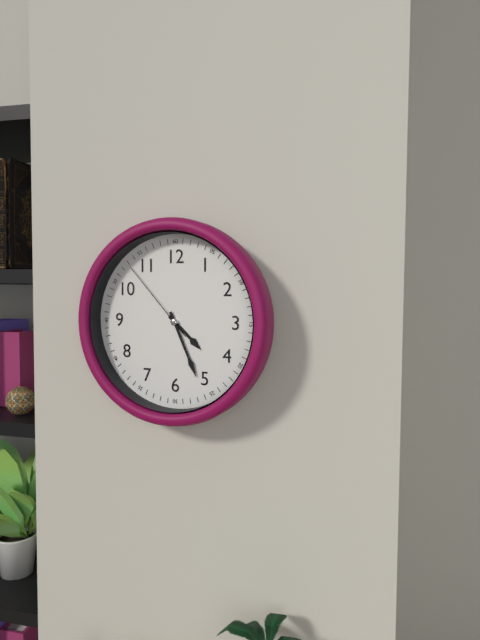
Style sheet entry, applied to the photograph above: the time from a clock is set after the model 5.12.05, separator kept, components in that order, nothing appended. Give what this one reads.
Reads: 4.26.53
